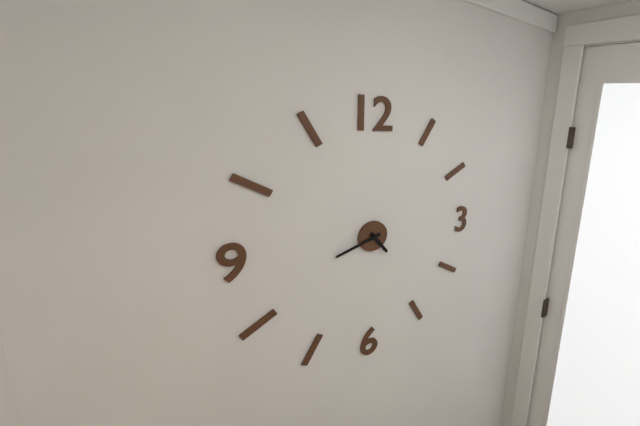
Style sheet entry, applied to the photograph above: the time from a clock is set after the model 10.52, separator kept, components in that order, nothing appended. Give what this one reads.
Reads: 4.42
